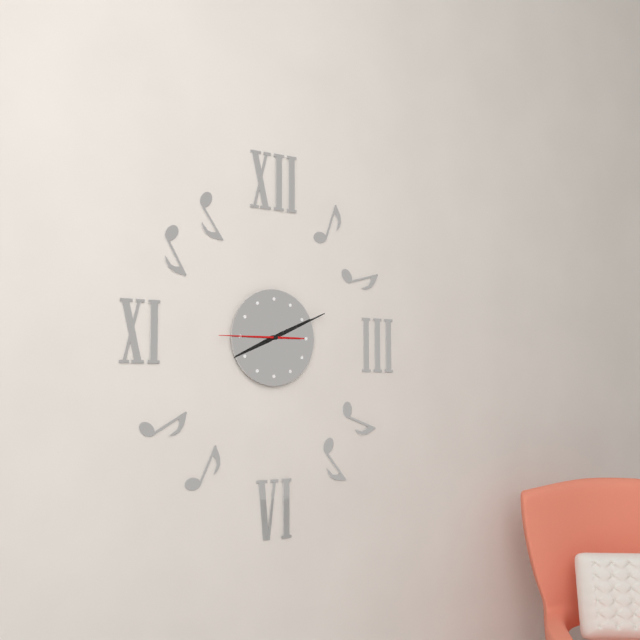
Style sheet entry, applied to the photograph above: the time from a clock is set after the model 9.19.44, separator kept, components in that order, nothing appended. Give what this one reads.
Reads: 8.11.45
